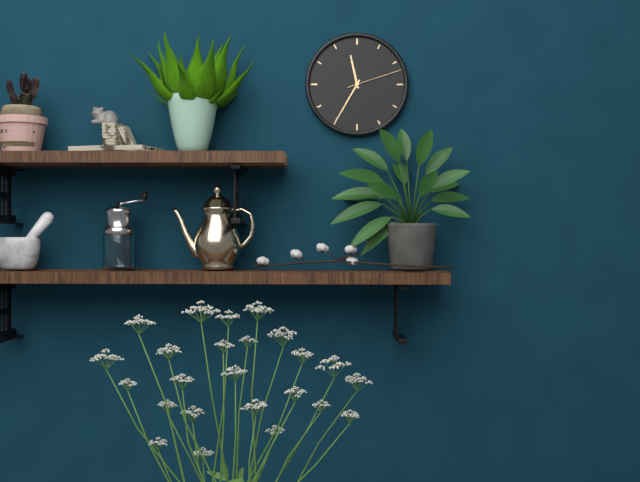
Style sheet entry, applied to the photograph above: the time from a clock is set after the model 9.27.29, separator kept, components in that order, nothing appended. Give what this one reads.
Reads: 11.35.12
